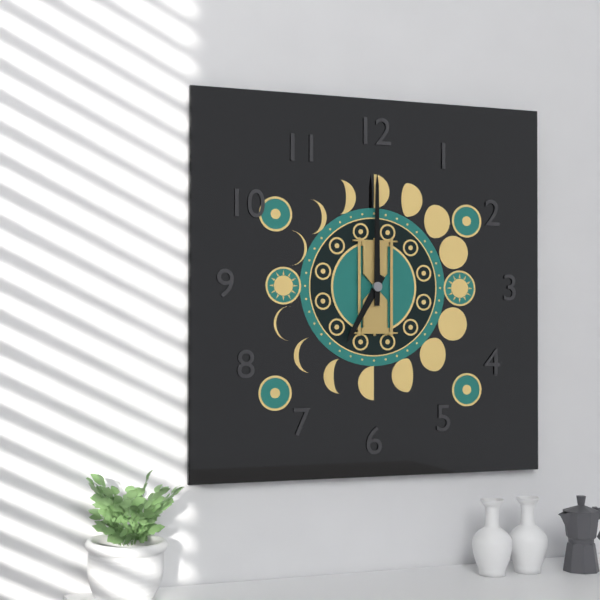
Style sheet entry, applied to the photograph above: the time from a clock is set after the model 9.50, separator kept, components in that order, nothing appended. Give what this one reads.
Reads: 7.00
